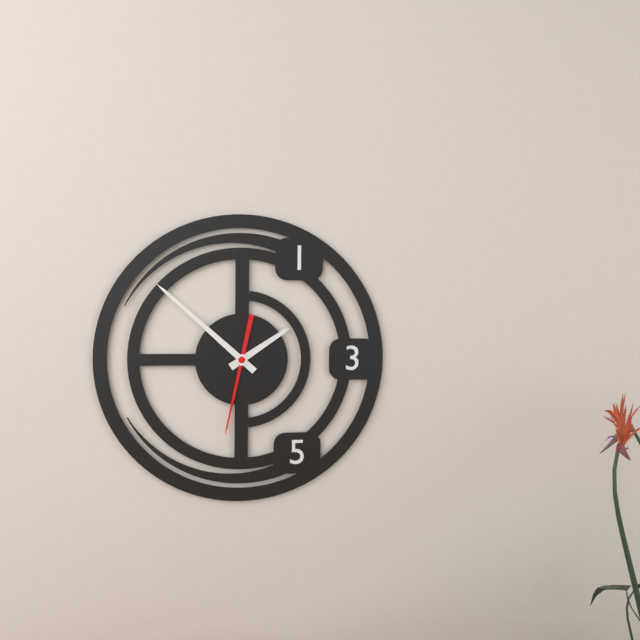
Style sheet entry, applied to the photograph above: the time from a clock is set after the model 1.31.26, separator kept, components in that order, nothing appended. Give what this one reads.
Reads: 1.52.32
